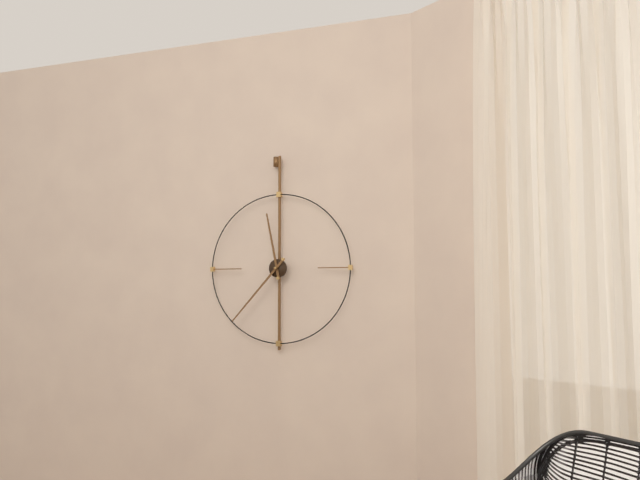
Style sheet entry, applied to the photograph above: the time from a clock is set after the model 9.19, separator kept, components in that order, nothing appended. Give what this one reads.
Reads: 11.37
